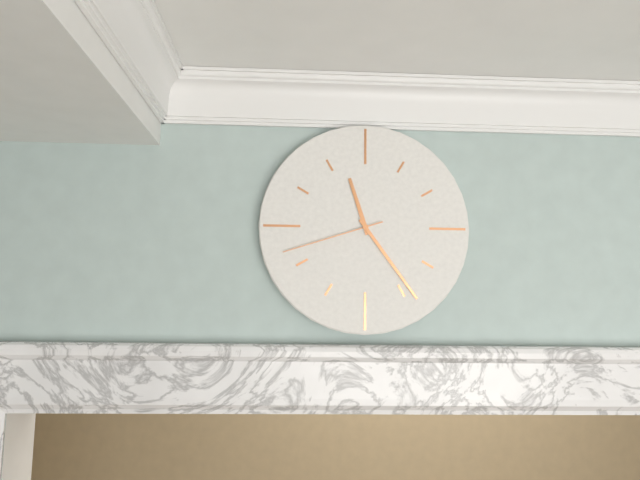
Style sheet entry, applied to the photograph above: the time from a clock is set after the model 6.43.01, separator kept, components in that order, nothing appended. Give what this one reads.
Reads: 11.24.42
